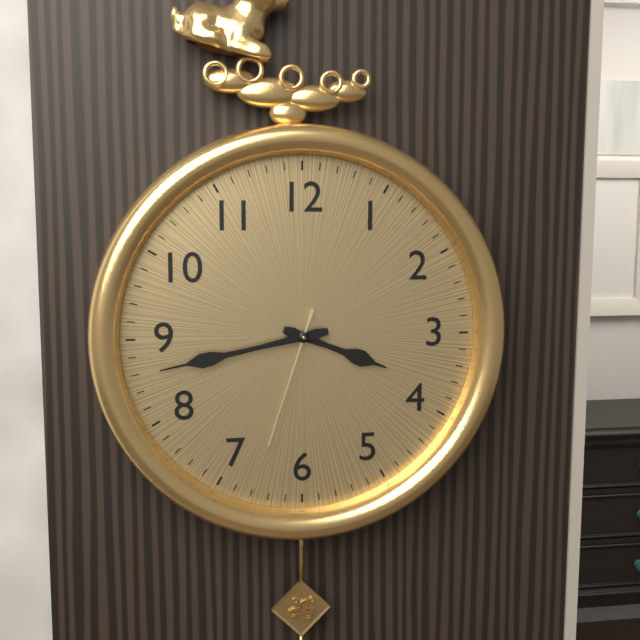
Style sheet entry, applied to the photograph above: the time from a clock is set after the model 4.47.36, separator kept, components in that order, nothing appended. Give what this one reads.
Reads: 3.43.33
